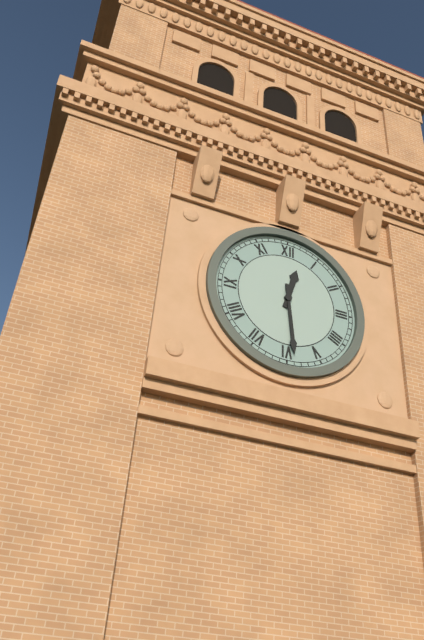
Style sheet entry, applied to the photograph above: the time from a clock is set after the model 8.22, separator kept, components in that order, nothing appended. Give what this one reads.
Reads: 12.29
